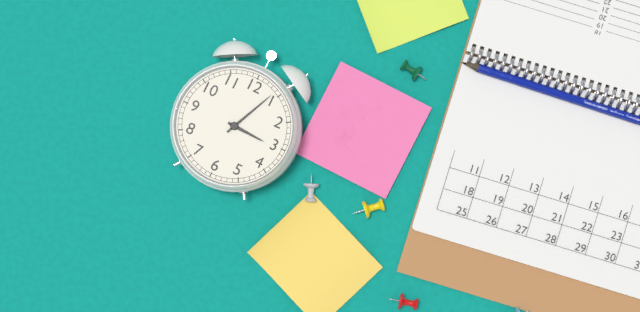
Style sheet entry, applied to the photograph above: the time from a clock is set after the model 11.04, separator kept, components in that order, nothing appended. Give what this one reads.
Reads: 3.04
